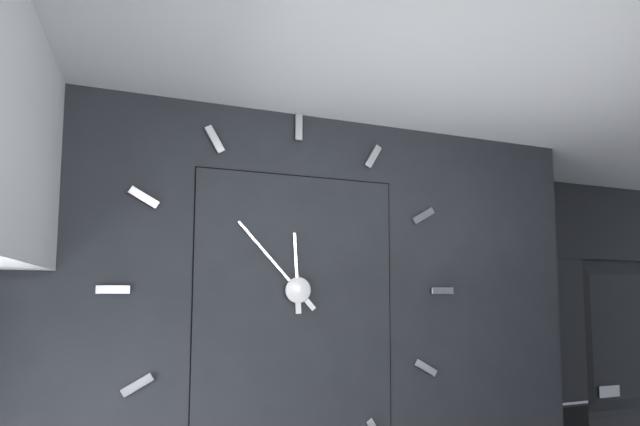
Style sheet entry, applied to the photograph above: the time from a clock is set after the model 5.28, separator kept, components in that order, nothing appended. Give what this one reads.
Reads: 11.53
